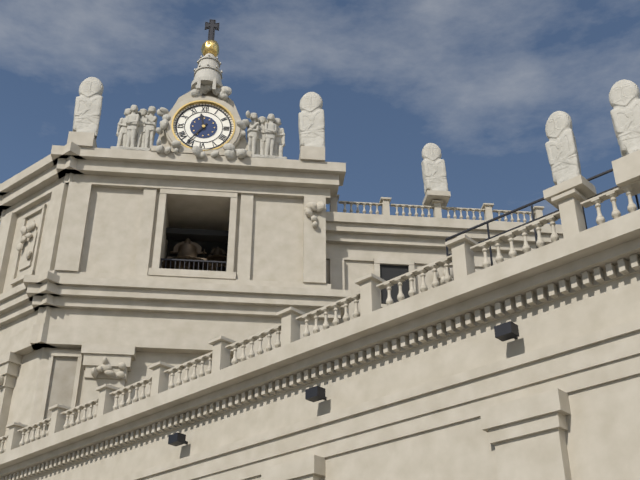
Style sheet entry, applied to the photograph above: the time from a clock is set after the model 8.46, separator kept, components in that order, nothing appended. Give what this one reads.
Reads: 11.36
